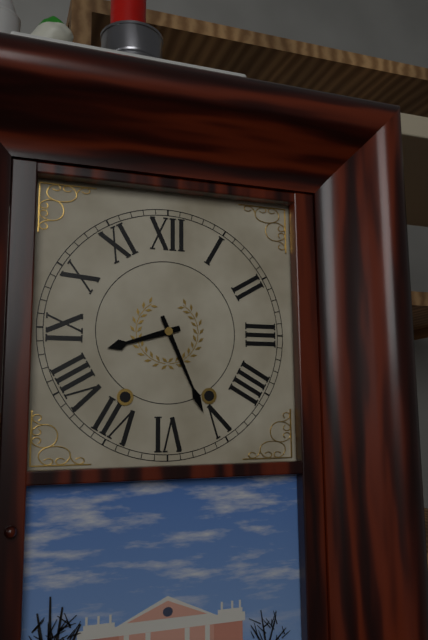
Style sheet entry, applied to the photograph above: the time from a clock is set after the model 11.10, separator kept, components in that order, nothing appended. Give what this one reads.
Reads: 8.26
